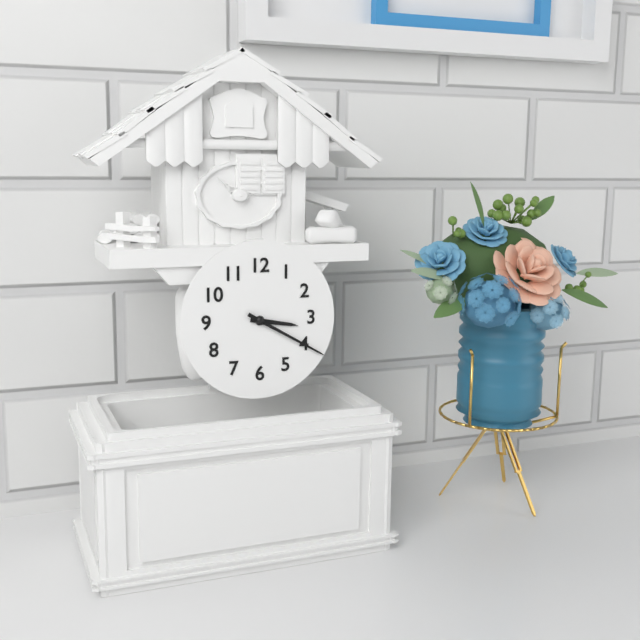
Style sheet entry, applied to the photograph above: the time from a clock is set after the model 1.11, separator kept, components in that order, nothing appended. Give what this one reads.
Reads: 3.20
